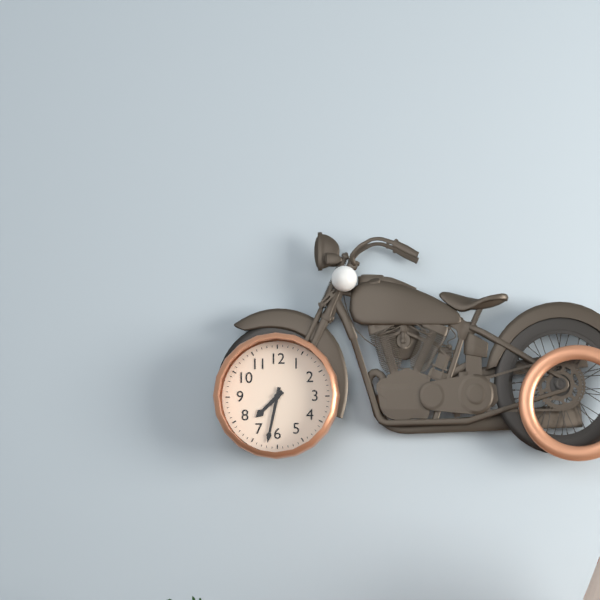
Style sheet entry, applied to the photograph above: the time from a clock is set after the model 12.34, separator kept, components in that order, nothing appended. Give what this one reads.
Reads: 7.32
